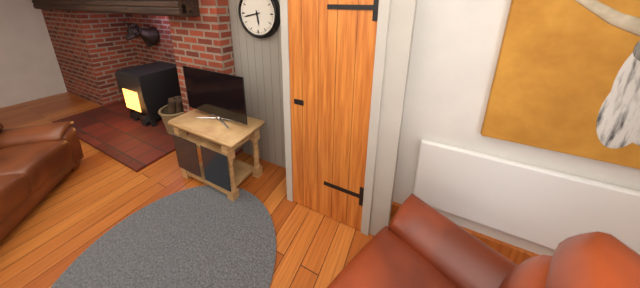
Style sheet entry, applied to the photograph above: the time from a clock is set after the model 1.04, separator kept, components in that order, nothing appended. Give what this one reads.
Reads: 5.43
